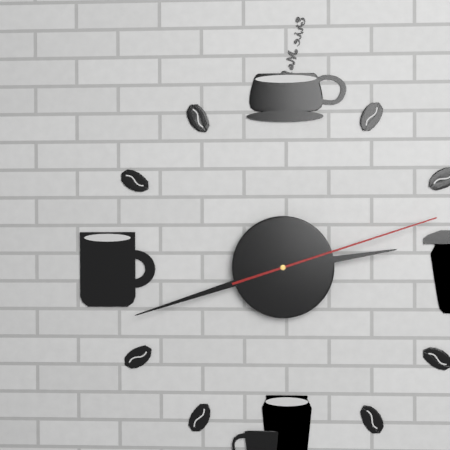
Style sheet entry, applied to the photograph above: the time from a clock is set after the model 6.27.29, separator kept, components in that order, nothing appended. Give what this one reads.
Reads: 2.42.12
